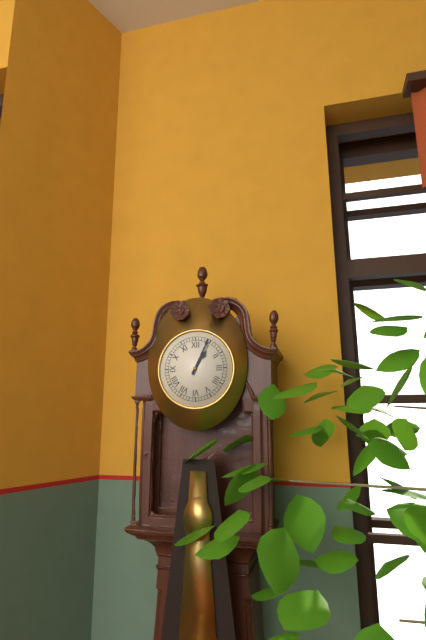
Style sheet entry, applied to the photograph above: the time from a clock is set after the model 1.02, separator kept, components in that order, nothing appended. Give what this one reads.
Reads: 1.04
